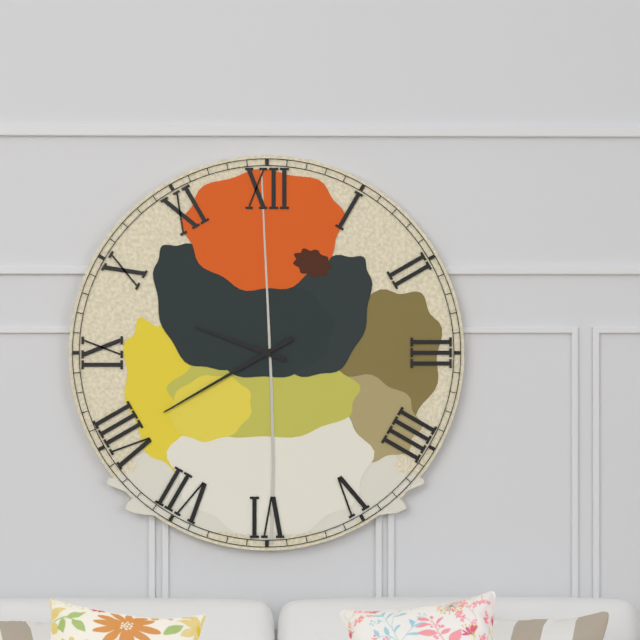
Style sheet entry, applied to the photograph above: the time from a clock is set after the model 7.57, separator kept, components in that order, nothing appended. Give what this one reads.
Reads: 9.40
